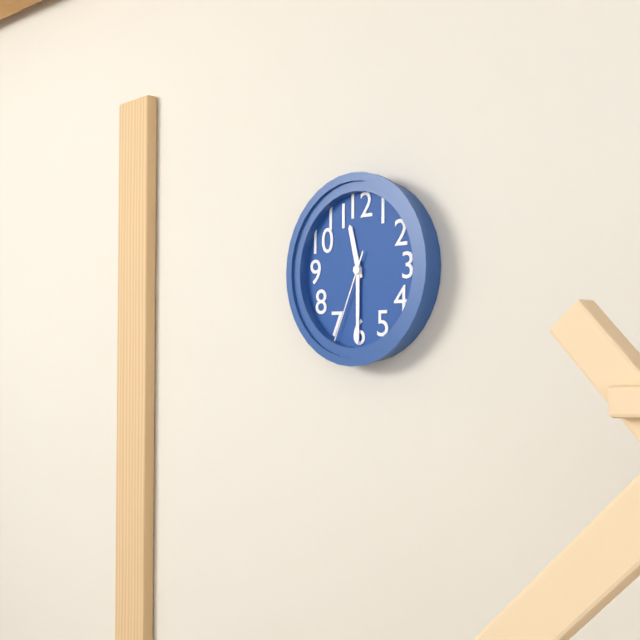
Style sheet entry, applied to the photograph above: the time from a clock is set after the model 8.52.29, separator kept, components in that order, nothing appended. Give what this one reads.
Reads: 11.30.34
